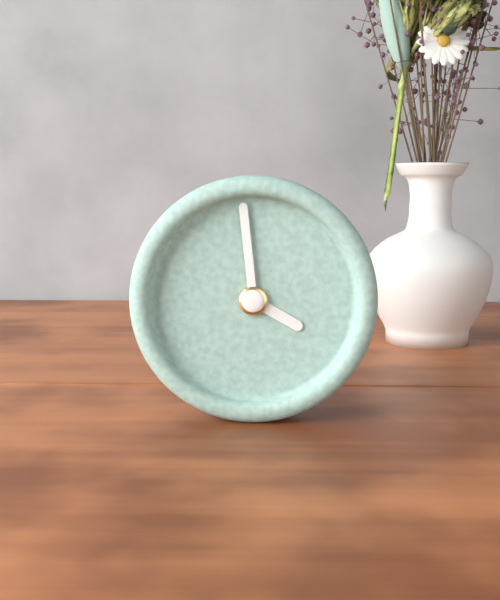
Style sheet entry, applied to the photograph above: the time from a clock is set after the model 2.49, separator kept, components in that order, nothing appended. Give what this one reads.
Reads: 3.59
